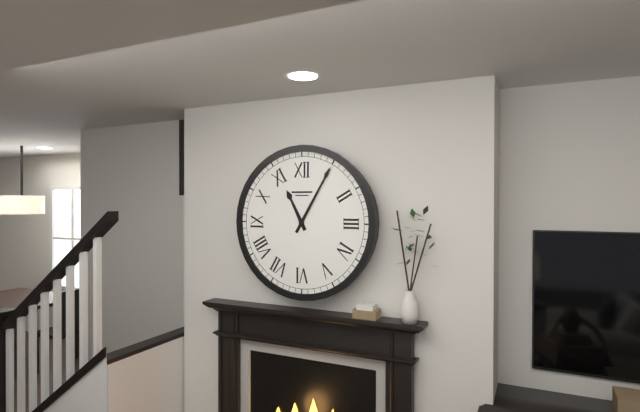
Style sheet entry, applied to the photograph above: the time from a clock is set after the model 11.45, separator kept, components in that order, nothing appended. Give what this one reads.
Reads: 11.05
